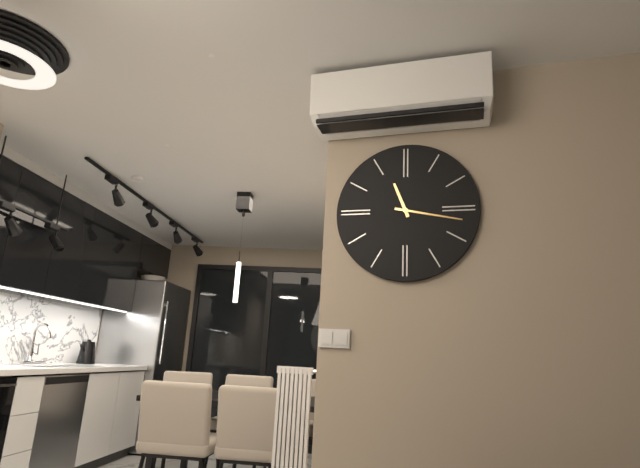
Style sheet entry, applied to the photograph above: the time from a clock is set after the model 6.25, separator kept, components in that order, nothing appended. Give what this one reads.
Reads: 11.17
